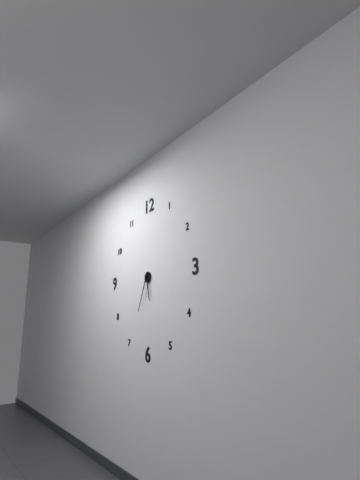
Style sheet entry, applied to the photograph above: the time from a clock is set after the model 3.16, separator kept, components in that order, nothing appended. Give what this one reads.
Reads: 5.34
